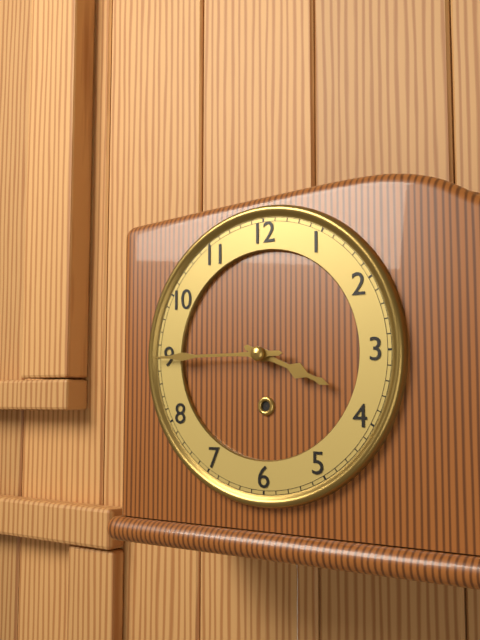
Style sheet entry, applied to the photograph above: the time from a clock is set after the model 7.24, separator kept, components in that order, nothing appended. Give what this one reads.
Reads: 3.45
